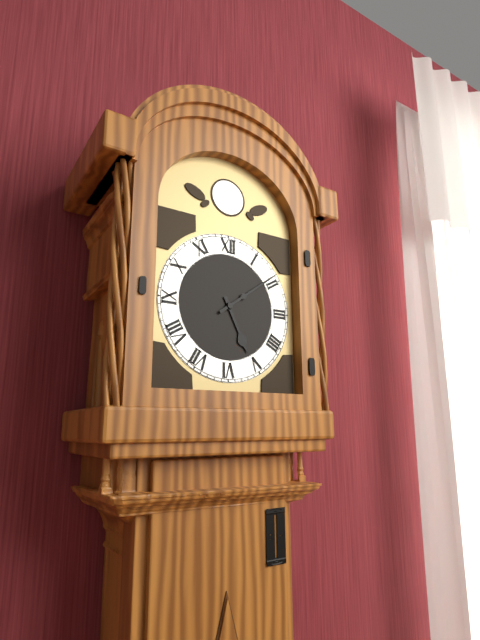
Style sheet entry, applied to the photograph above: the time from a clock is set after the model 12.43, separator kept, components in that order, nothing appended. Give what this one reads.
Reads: 5.09
